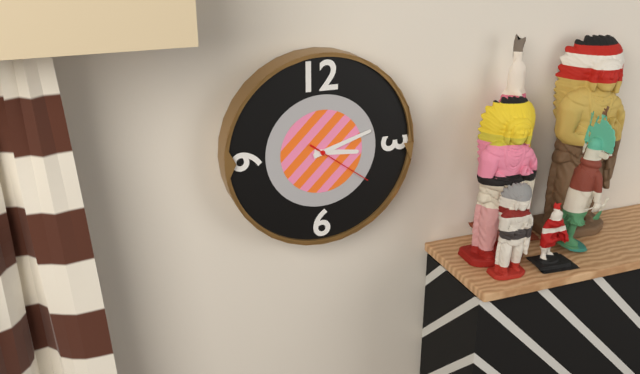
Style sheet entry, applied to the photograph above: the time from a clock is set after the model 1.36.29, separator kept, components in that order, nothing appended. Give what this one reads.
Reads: 3.12.21
